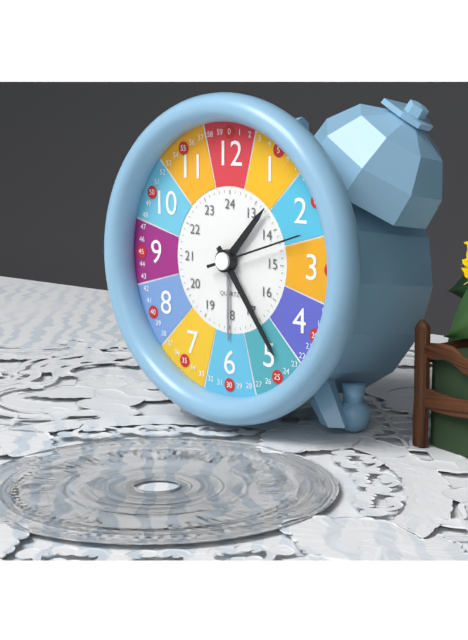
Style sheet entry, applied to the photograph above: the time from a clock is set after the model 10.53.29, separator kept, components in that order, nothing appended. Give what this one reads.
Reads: 1.24.12
